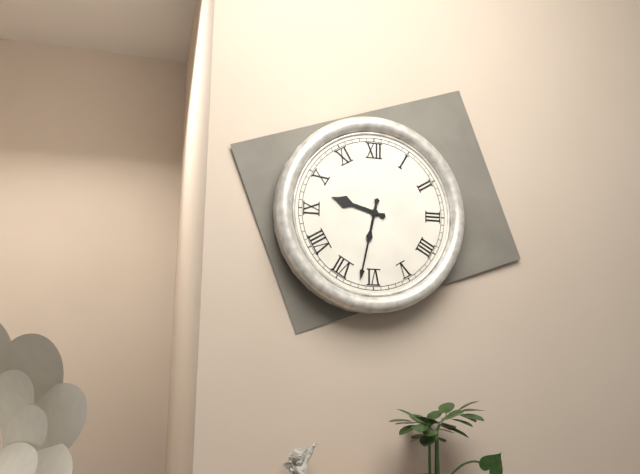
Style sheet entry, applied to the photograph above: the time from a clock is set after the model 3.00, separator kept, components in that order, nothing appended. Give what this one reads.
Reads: 9.32
